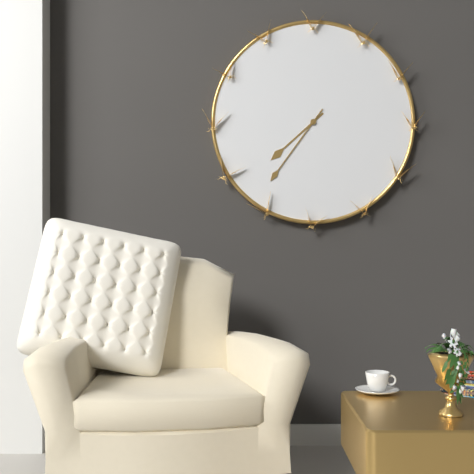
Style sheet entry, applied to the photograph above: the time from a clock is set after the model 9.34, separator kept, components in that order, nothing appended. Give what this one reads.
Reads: 7.36
